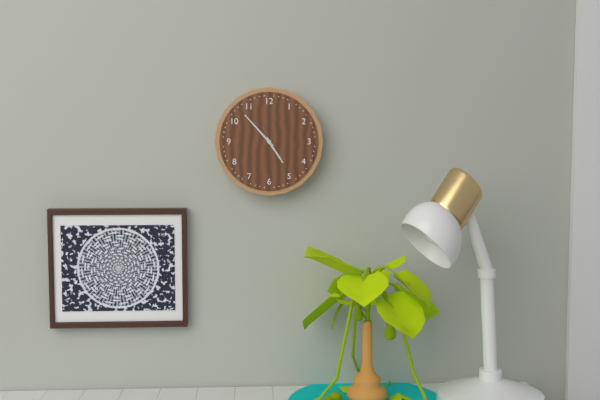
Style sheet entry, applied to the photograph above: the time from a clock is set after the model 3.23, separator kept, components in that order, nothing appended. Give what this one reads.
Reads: 4.53
